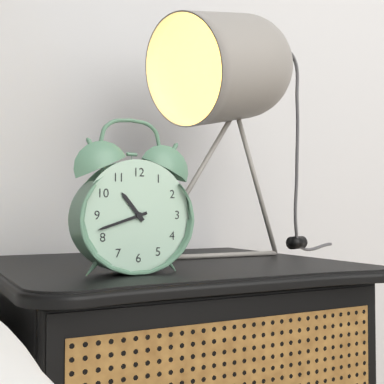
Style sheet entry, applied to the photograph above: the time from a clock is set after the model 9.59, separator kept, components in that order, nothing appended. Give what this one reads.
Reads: 10.42
